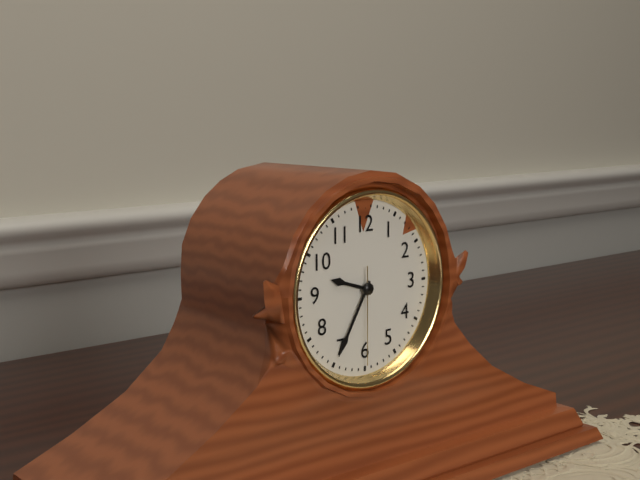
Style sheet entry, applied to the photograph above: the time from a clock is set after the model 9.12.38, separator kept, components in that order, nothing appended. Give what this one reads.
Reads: 9.35.30
